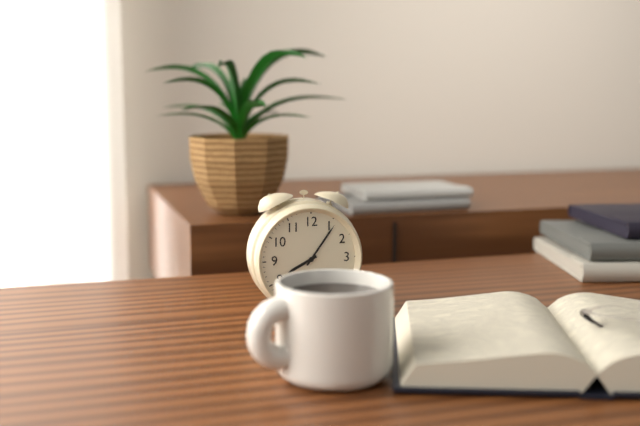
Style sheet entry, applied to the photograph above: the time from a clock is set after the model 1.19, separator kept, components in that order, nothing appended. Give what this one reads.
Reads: 8.06
